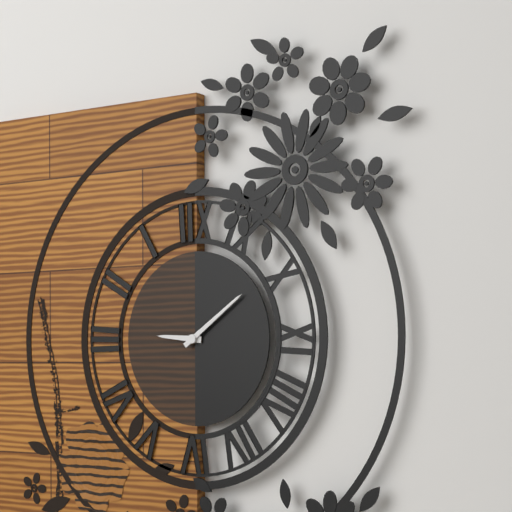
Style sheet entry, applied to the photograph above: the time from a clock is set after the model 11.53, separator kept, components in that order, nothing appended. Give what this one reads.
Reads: 9.09
